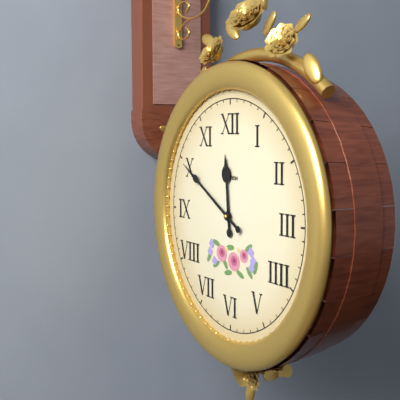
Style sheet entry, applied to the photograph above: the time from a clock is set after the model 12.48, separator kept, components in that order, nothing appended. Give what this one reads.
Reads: 11.50
